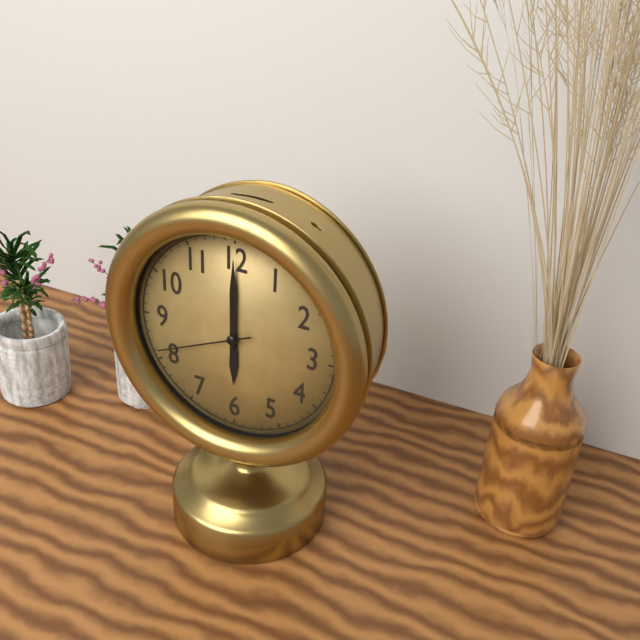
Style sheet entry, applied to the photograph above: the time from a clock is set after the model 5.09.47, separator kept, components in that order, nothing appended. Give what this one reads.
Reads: 6.00.41
